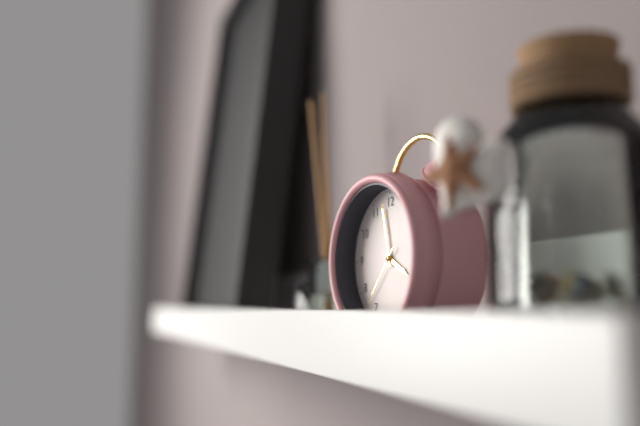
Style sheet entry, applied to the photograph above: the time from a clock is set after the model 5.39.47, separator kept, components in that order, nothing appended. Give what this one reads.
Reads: 3.58.37
